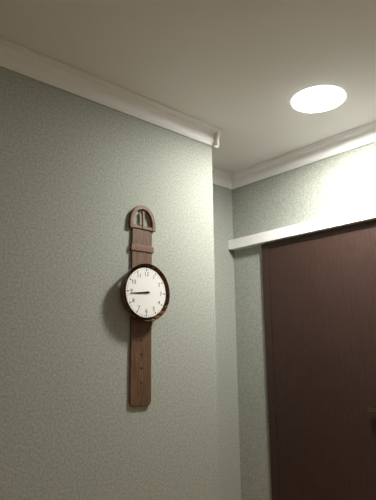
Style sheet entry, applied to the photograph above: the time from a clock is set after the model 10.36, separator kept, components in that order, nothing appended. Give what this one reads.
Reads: 8.44
